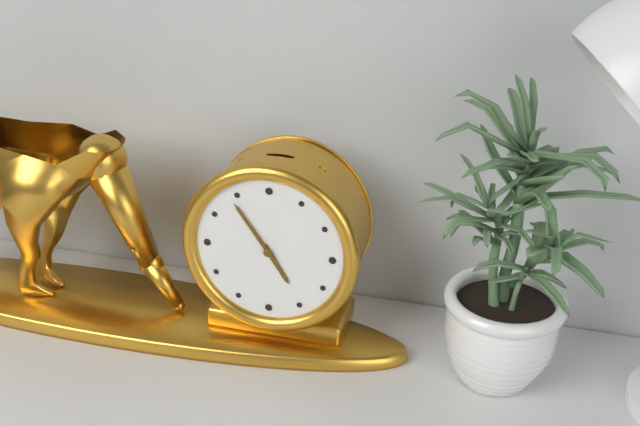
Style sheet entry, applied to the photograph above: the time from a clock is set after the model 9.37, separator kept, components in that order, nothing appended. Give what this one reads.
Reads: 4.54
